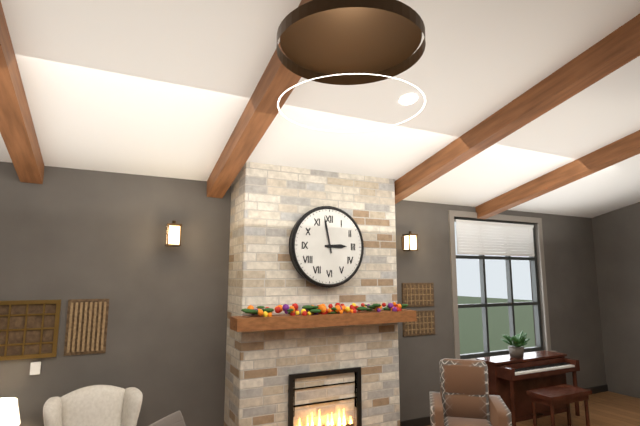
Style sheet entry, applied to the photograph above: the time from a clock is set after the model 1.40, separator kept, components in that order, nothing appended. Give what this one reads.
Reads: 2.58
